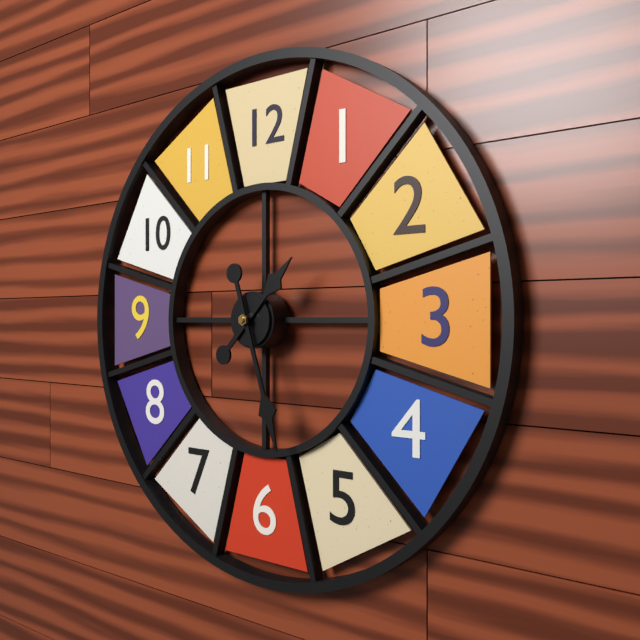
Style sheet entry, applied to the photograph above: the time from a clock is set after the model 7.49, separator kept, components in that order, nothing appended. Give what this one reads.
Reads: 1.27
